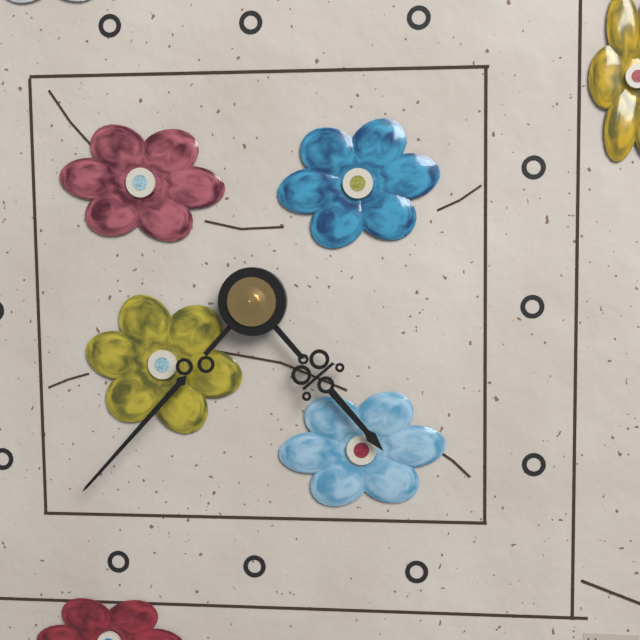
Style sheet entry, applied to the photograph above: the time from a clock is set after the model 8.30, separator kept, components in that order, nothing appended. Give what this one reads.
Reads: 4.37
